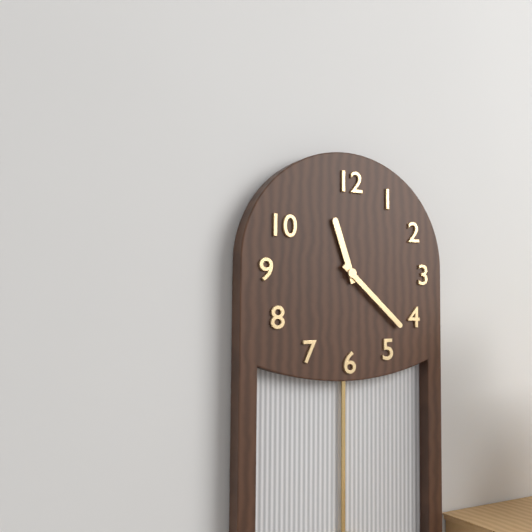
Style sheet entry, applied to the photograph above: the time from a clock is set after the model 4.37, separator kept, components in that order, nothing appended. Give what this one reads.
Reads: 11.22
